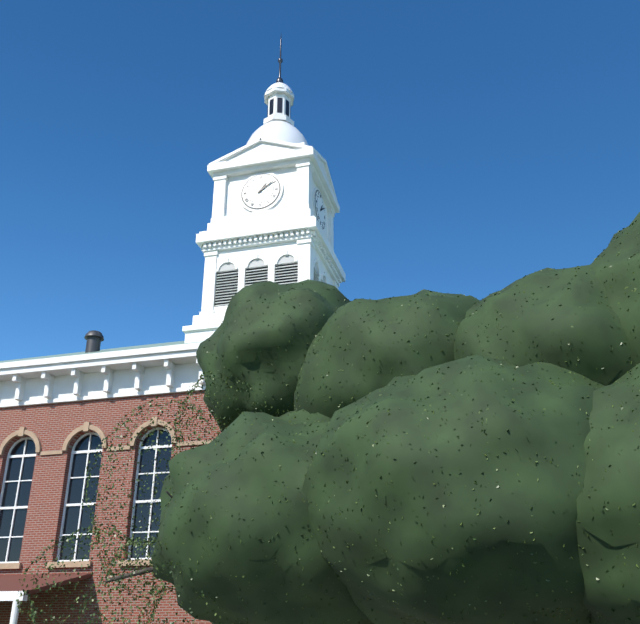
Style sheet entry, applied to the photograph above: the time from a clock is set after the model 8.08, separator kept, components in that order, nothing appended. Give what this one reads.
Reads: 1.09
